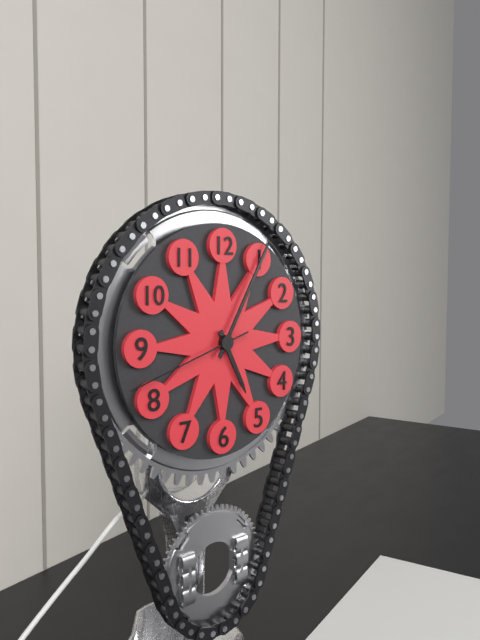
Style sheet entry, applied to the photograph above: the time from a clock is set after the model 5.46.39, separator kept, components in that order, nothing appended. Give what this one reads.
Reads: 5.05.42
